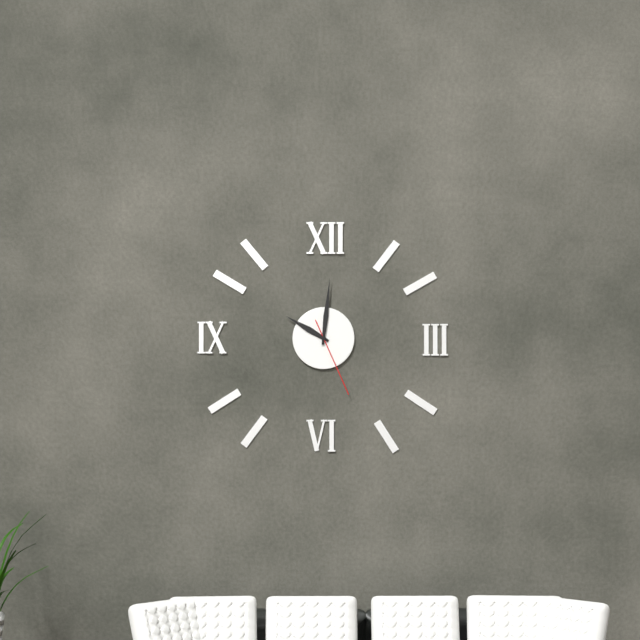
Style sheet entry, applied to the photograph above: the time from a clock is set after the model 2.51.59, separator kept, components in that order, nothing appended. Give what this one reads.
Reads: 10.01.26
